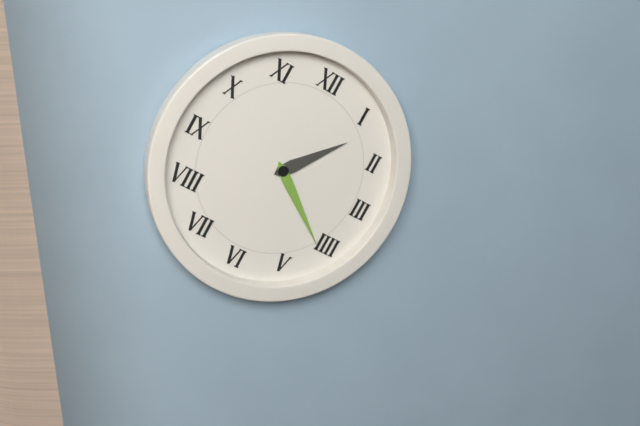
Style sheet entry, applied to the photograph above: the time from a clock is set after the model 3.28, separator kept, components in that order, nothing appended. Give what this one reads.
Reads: 1.21
